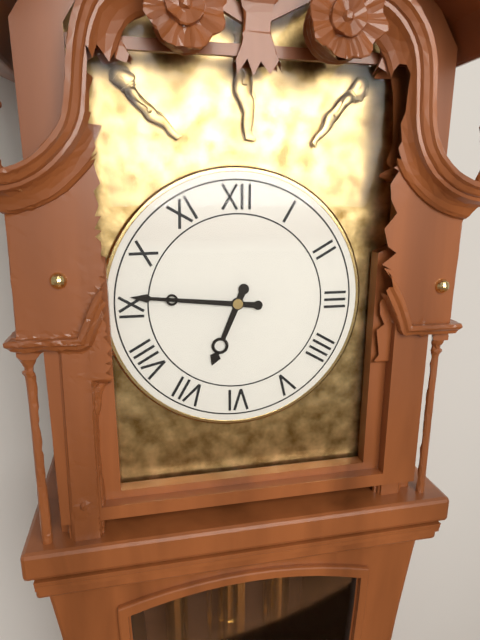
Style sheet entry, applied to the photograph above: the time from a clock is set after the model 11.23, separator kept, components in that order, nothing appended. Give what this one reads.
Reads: 6.46
